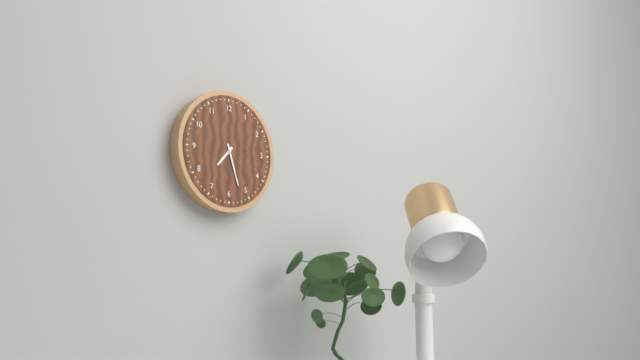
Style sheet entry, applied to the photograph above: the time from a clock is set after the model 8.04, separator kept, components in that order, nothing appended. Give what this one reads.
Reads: 7.27
